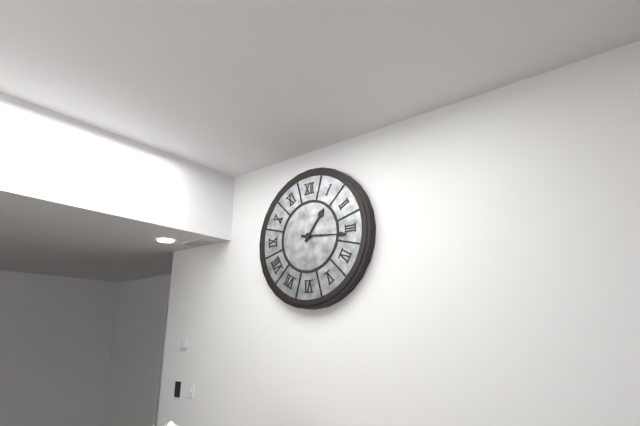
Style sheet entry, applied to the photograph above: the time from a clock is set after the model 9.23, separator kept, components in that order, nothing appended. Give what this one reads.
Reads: 1.16
